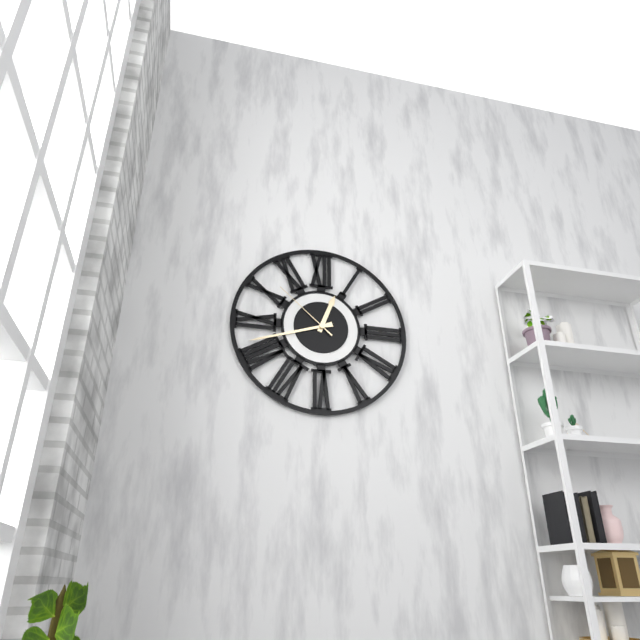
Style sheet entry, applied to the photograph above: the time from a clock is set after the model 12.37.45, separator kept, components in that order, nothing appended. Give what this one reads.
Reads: 12.42.52
